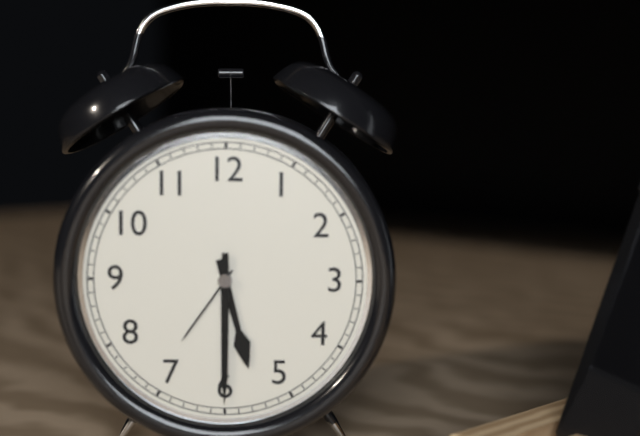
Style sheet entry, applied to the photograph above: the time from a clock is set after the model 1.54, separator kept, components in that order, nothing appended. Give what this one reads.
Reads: 5.30
